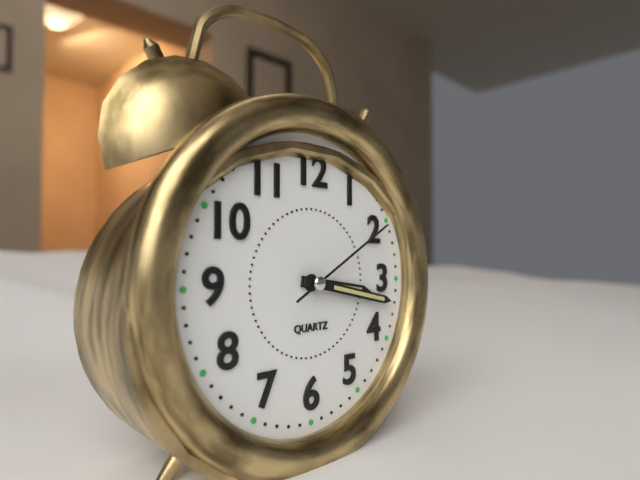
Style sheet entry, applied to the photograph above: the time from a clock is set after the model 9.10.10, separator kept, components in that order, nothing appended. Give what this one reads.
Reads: 3.17.10
